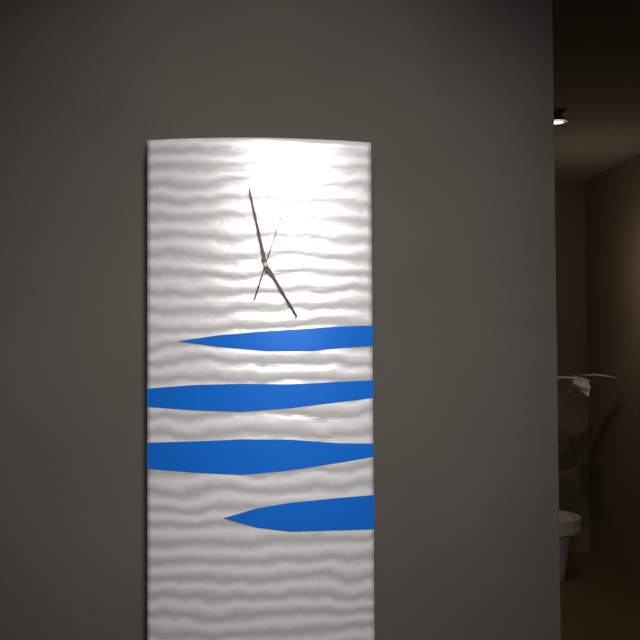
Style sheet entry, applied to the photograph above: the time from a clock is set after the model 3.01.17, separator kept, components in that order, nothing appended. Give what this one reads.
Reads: 4.58.03
